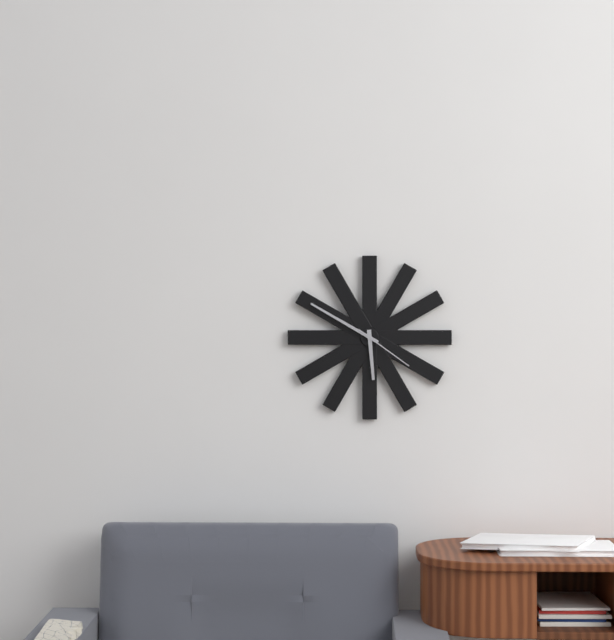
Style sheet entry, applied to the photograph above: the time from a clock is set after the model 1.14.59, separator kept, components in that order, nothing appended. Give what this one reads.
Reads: 5.50.21
